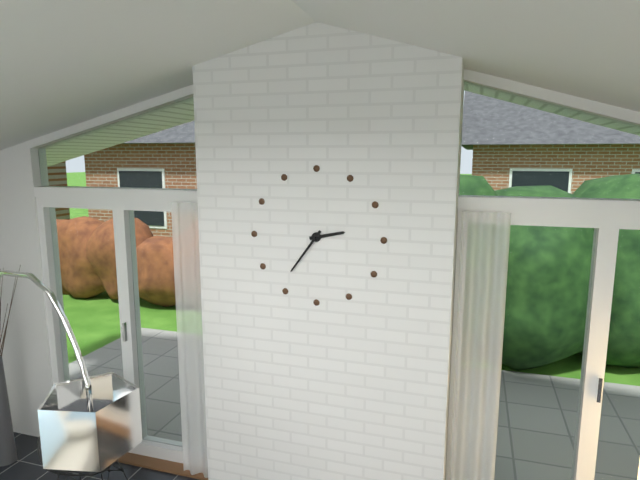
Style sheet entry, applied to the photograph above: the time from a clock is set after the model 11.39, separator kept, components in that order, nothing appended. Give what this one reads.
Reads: 2.36
